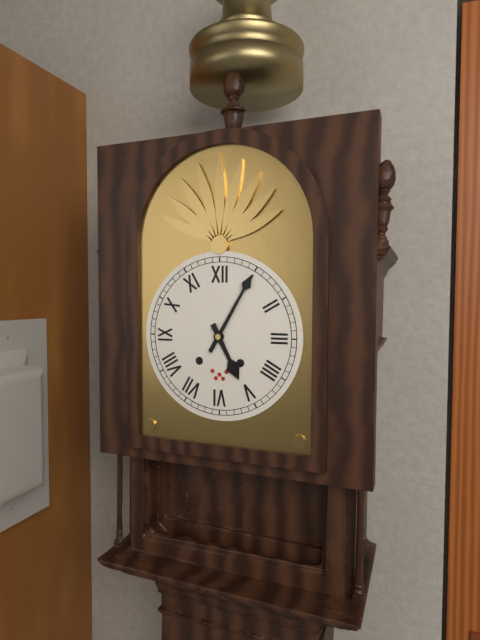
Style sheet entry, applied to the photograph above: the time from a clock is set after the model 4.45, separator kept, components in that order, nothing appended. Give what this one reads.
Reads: 5.05
